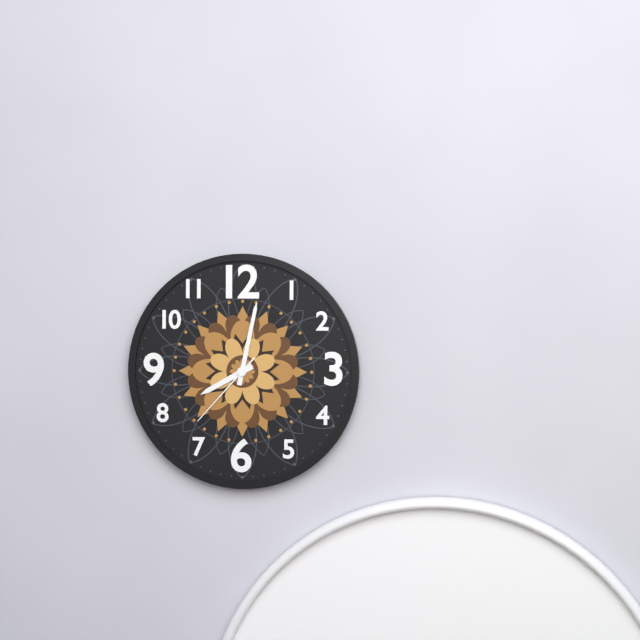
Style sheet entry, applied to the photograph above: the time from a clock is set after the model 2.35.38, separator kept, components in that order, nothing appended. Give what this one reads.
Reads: 8.02.37
